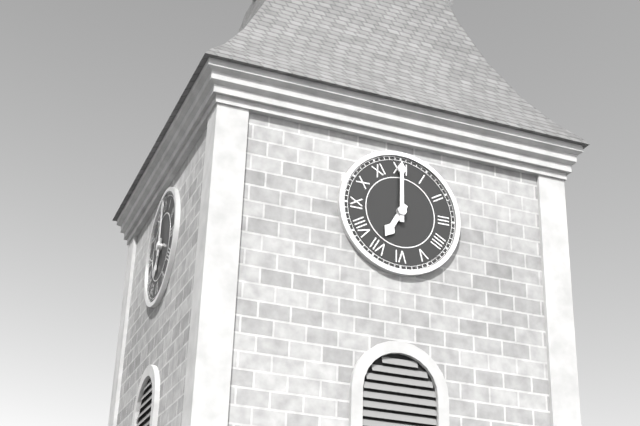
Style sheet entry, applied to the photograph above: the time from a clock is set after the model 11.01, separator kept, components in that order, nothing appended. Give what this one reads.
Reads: 7.00
